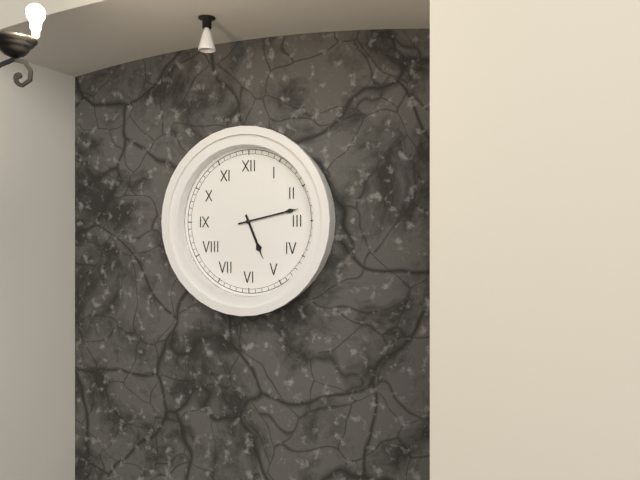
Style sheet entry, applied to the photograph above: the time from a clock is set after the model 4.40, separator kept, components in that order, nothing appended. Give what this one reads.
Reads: 5.13
